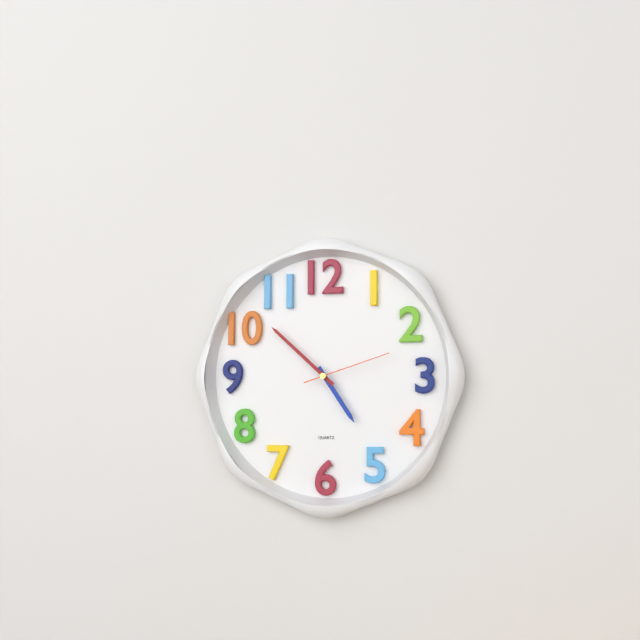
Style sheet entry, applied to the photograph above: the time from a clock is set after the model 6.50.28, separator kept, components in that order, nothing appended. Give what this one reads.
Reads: 4.52.12
